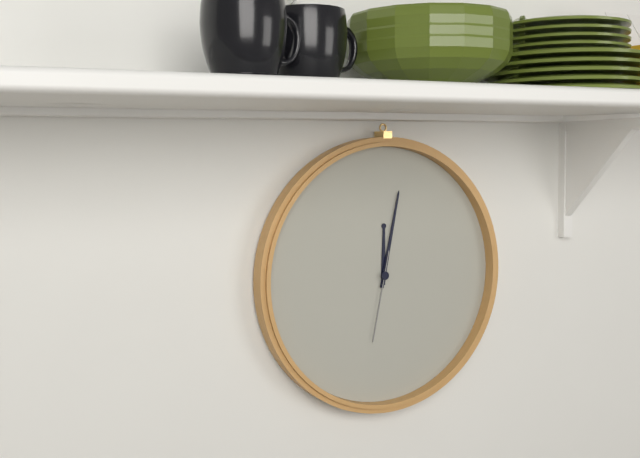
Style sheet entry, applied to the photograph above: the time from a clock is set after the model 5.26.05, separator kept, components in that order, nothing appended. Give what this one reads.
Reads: 12.02.32
